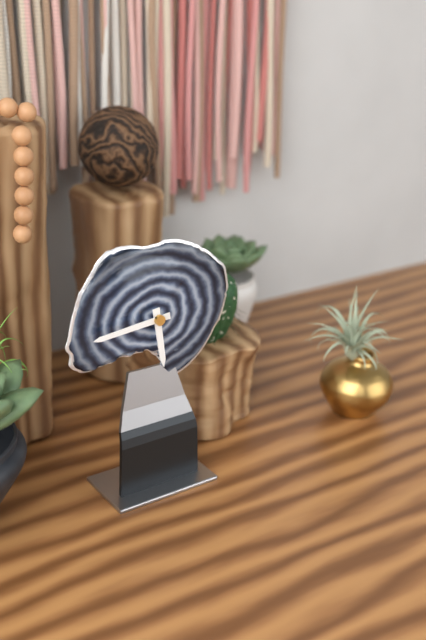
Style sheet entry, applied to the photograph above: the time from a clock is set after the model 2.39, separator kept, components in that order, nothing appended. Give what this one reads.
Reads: 5.44
